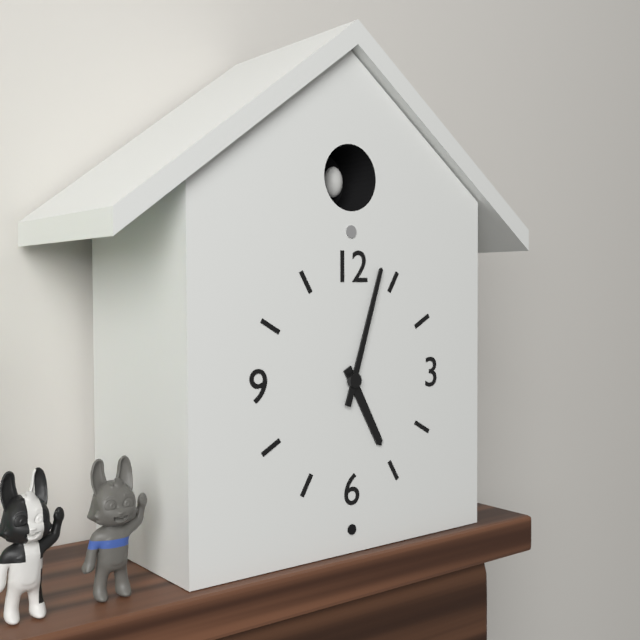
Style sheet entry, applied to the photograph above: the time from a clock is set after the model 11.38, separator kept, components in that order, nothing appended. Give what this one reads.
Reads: 5.03
